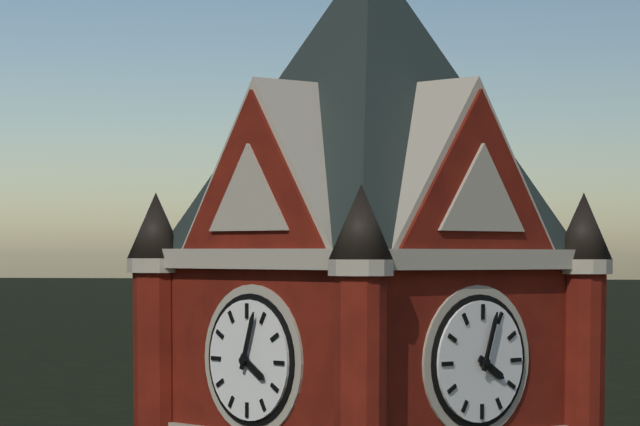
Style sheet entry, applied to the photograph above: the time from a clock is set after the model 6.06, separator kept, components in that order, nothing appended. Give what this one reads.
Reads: 4.03
